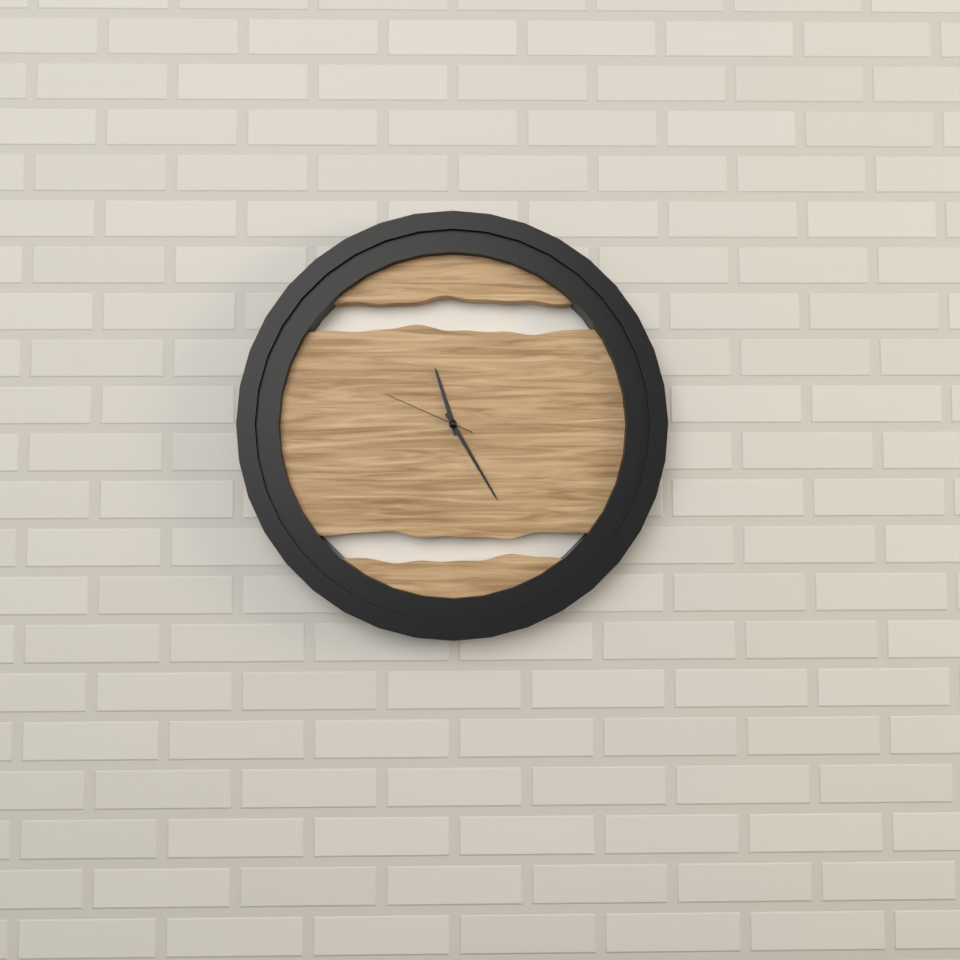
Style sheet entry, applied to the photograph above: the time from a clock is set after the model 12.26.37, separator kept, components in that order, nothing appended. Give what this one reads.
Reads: 11.25.49
